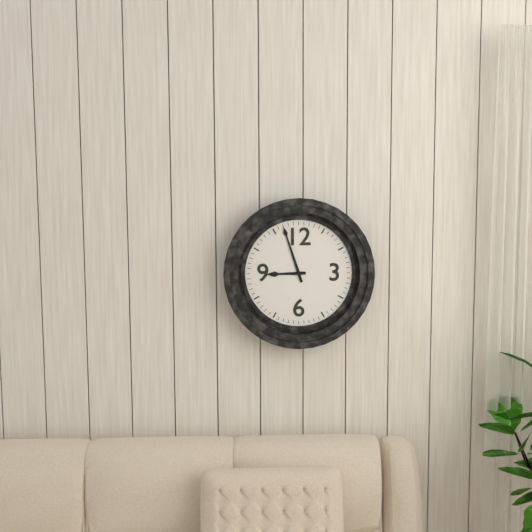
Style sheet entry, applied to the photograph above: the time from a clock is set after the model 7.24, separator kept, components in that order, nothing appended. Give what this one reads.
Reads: 8.57
